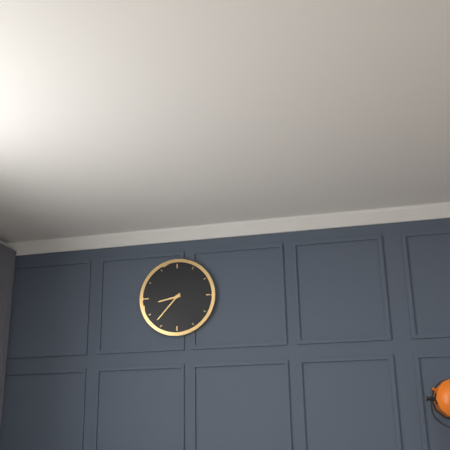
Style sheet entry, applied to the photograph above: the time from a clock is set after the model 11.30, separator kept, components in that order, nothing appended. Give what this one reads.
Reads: 8.37
